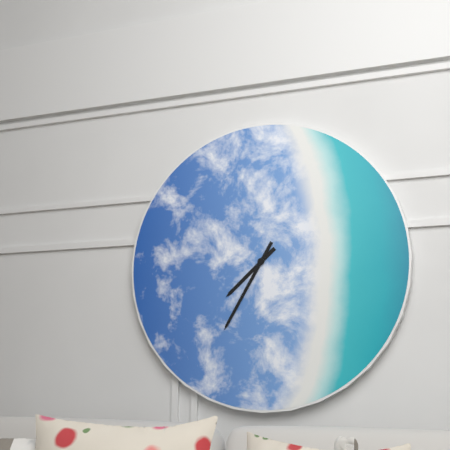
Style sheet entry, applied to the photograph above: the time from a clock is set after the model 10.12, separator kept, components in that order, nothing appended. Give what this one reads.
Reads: 7.35
